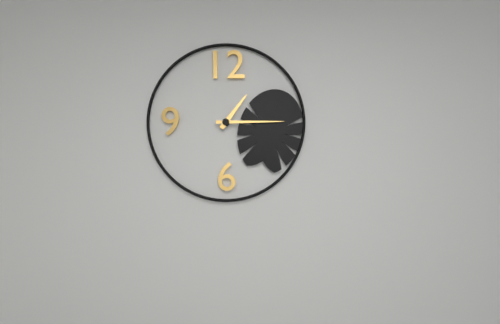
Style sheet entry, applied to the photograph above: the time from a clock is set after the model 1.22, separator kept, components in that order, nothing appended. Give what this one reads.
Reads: 1.15
